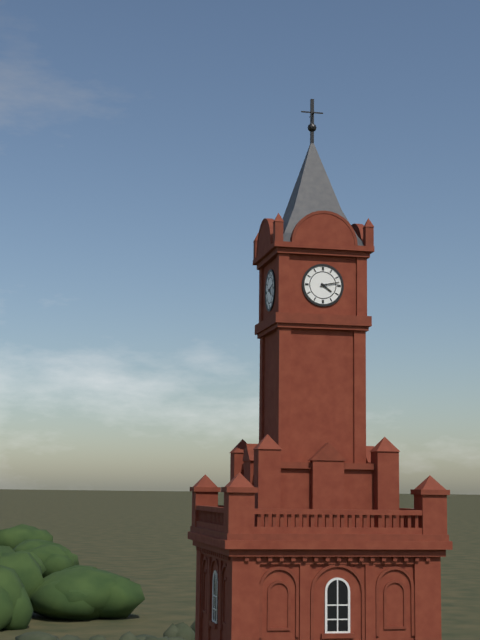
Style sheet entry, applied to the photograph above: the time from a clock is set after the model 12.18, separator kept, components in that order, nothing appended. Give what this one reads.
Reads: 4.13
